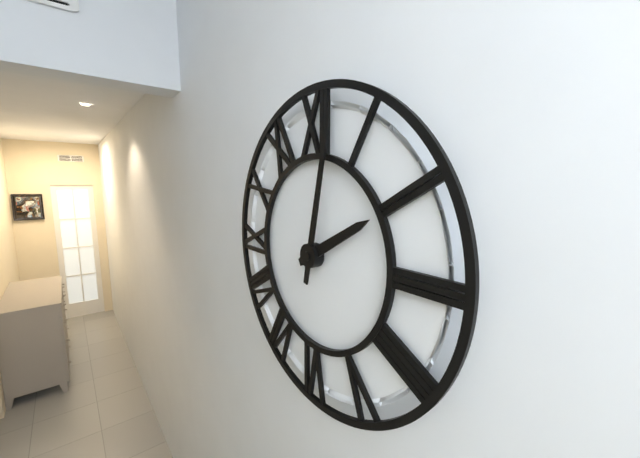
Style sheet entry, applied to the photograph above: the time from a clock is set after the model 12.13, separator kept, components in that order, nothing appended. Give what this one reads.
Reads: 2.02
